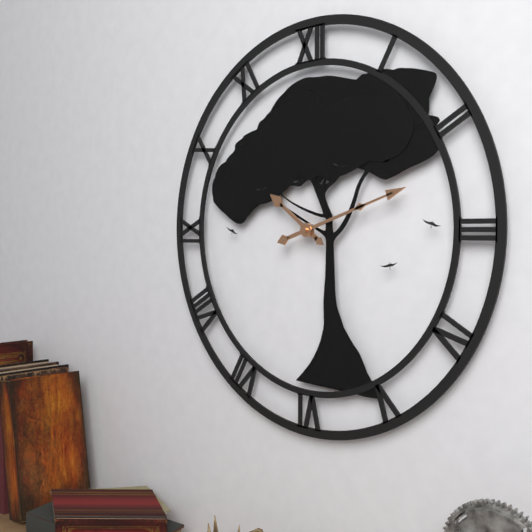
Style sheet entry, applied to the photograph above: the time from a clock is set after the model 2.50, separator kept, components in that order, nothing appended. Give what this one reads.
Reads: 10.12
